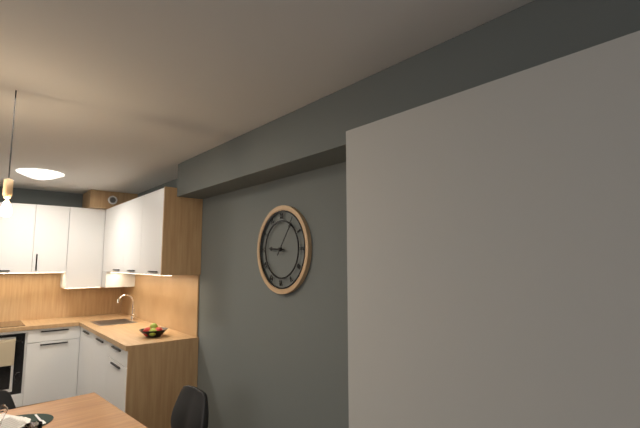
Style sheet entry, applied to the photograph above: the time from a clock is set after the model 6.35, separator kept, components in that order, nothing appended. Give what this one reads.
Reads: 9.06
